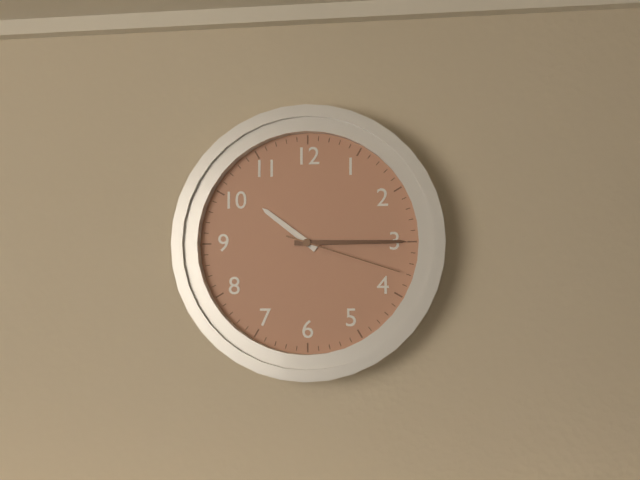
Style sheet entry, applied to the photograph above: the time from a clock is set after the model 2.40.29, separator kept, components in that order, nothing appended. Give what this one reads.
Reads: 10.15.18
